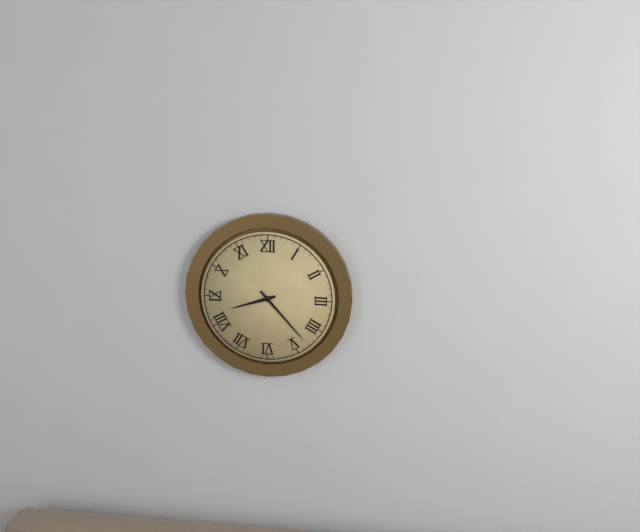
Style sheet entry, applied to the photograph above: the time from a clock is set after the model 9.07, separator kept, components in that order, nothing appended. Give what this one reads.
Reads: 8.23
